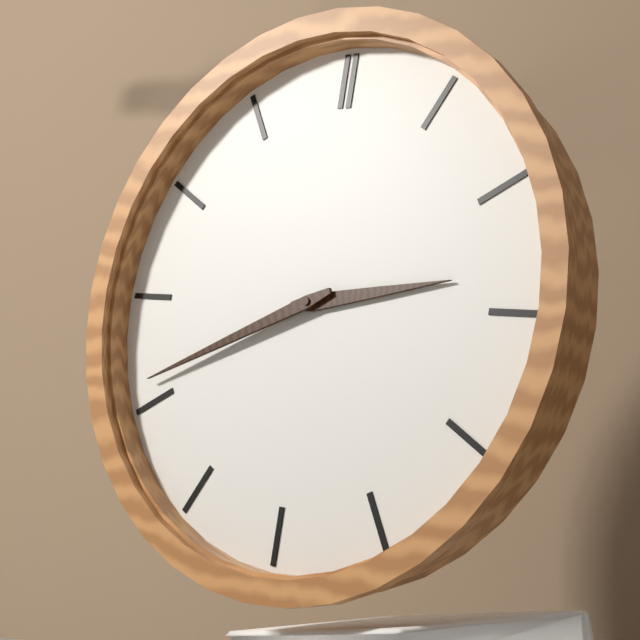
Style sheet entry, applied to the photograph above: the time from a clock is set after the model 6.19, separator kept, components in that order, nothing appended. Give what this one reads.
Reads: 2.41
